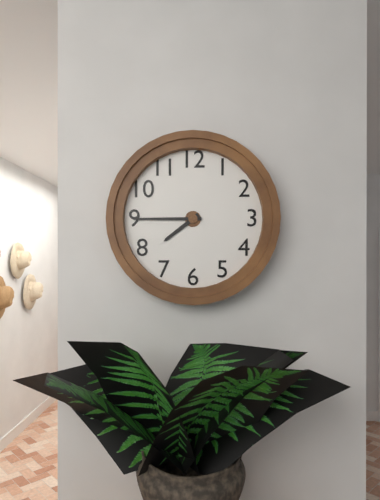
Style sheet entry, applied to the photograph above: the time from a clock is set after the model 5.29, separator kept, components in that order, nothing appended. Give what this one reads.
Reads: 7.45
